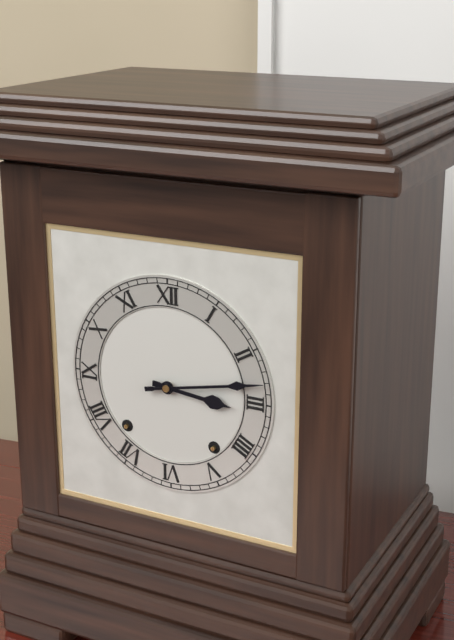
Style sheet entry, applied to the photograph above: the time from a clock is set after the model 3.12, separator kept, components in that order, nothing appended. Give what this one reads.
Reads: 3.13
